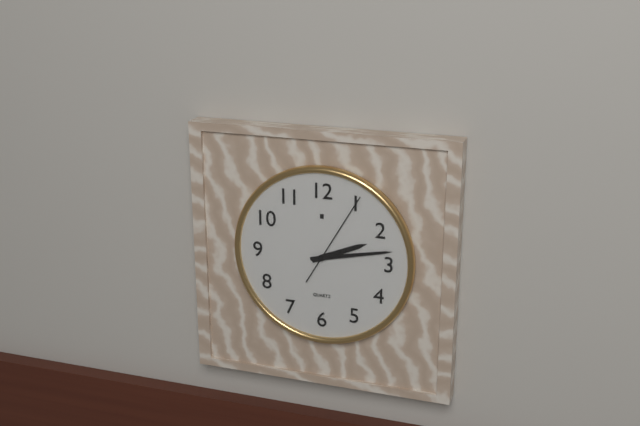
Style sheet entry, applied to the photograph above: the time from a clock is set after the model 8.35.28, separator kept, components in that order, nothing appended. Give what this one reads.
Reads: 2.13.05
